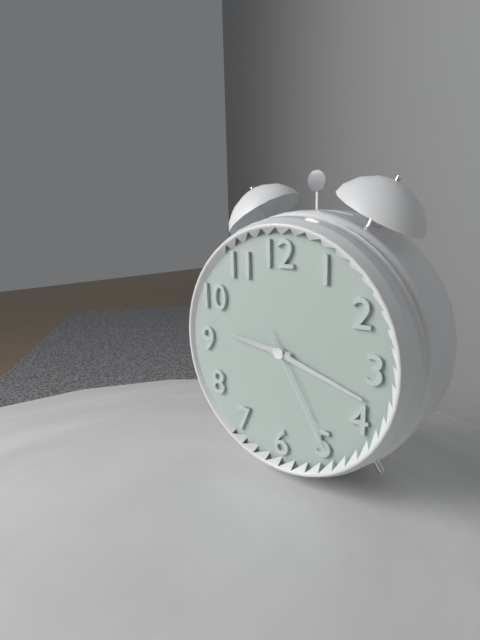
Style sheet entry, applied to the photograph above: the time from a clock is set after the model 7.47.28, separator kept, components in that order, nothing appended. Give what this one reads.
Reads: 9.18.25
